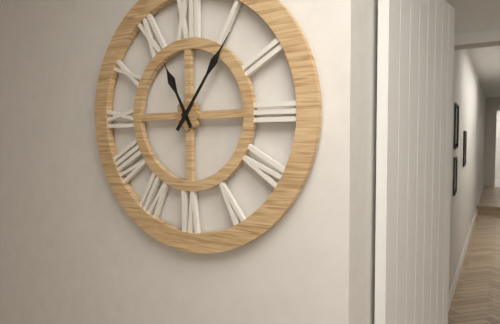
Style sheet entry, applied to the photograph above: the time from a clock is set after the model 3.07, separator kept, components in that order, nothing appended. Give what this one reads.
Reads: 11.06
